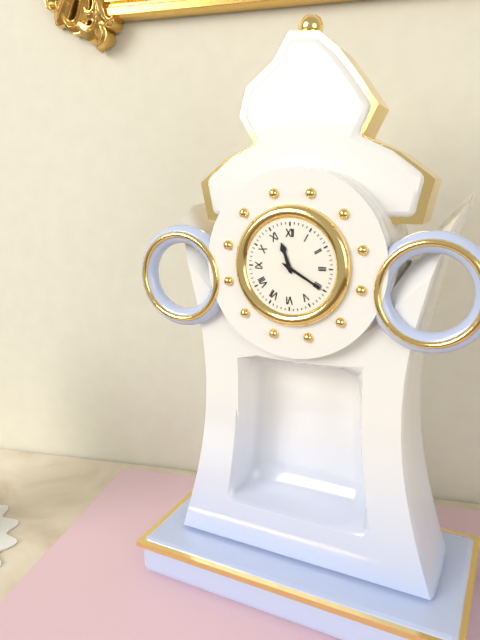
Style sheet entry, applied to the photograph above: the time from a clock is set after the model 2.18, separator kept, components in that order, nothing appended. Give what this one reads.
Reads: 11.20
